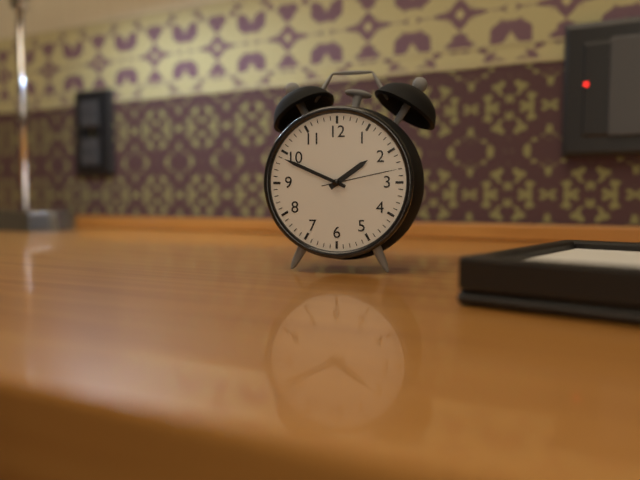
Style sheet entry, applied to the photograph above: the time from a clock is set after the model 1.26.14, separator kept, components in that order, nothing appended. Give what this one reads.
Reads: 1.49.13
